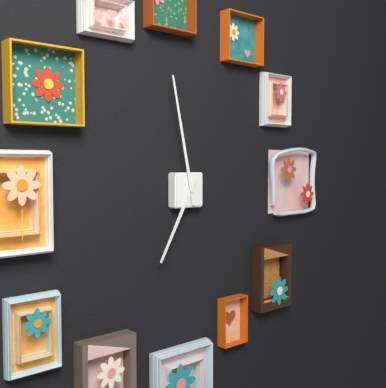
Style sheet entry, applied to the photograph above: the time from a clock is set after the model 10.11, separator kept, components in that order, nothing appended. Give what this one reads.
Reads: 6.58
